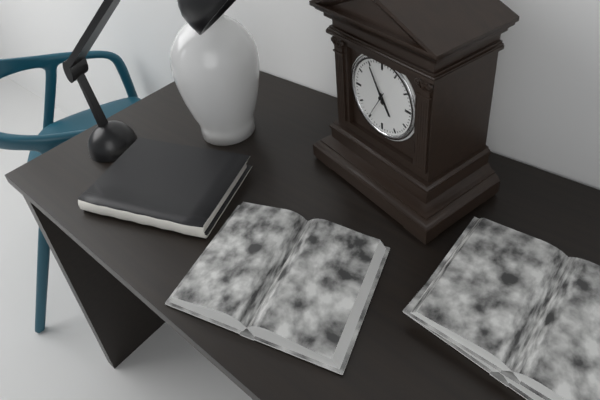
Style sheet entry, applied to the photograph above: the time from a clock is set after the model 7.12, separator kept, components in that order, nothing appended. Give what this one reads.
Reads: 4.55
